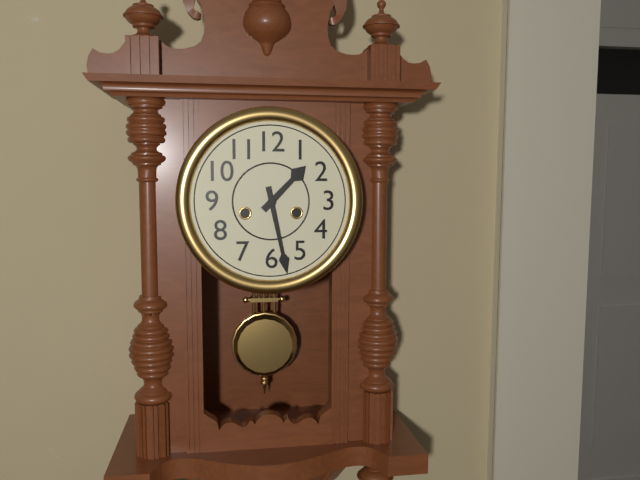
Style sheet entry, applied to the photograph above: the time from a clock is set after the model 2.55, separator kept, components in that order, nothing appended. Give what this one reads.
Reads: 1.28
